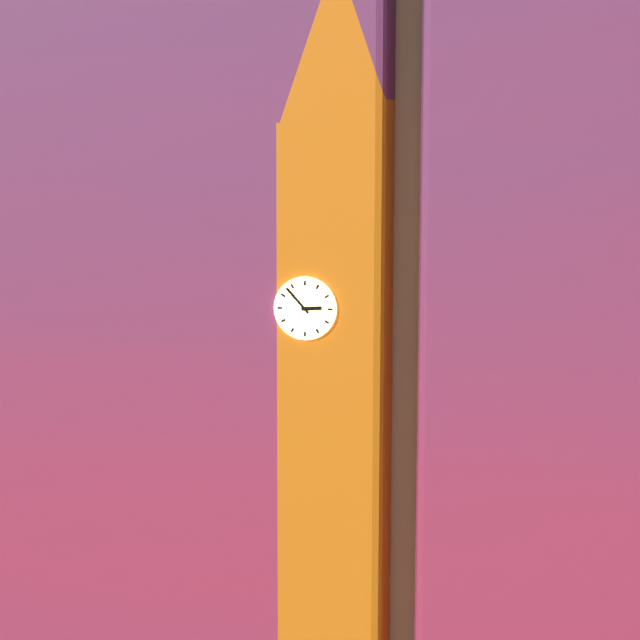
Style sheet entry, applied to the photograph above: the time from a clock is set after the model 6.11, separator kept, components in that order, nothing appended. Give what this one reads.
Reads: 2.53
